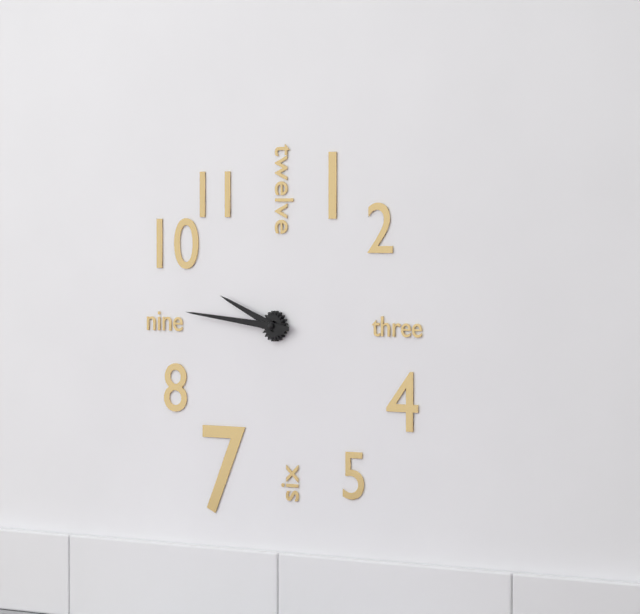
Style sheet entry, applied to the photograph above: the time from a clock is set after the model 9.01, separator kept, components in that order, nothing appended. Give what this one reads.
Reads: 9.46
